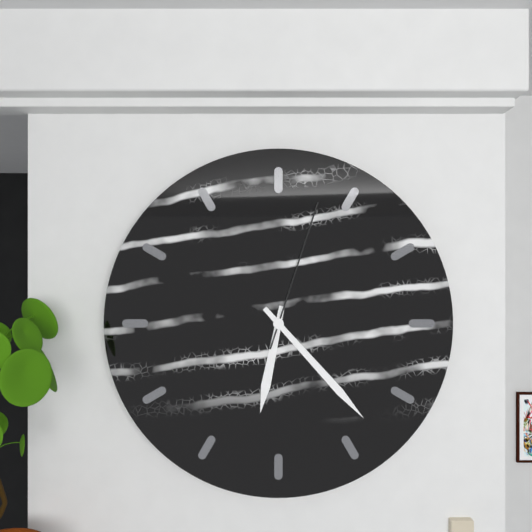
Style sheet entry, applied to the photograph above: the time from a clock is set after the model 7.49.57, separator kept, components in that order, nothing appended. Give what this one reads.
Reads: 6.23.03
